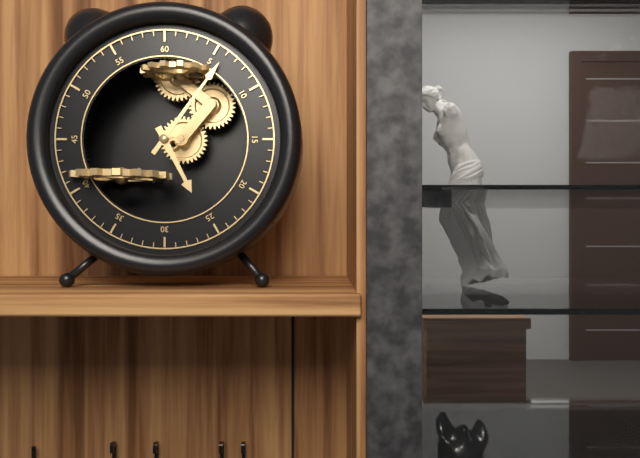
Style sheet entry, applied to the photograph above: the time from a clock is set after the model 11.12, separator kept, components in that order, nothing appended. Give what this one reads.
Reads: 5.06
